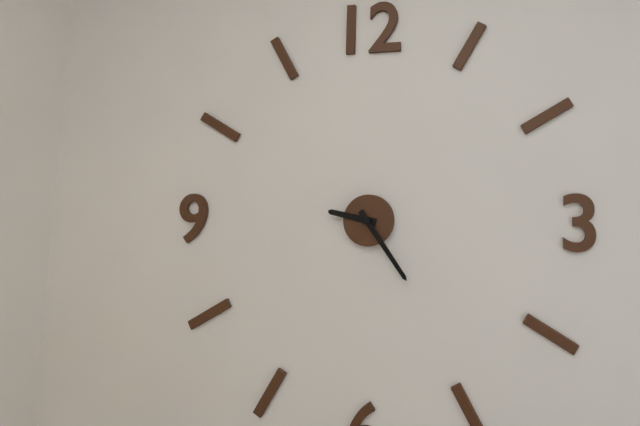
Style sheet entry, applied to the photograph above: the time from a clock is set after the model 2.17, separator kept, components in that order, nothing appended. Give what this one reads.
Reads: 9.24
